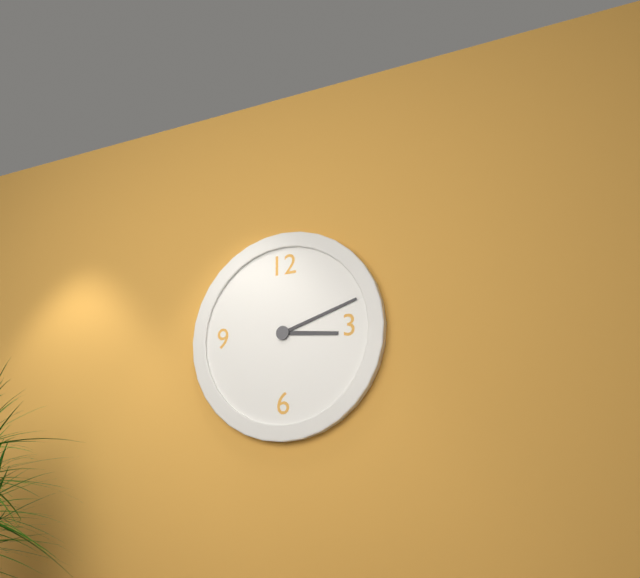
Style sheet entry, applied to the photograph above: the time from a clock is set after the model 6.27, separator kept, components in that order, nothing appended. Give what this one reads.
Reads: 3.12
